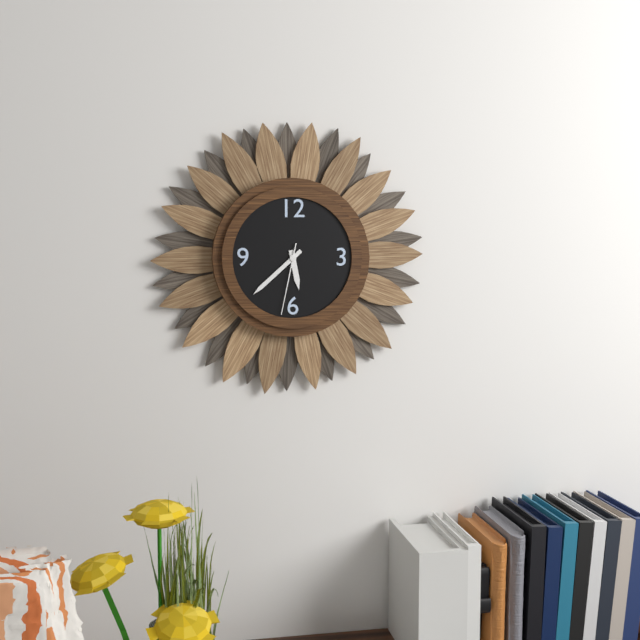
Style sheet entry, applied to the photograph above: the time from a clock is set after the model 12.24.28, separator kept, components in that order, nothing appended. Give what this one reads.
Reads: 5.38.32
